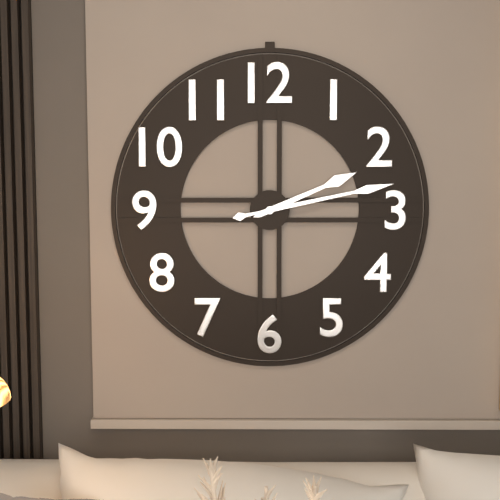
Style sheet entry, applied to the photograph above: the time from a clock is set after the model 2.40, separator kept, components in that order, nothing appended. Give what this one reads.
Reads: 2.13
